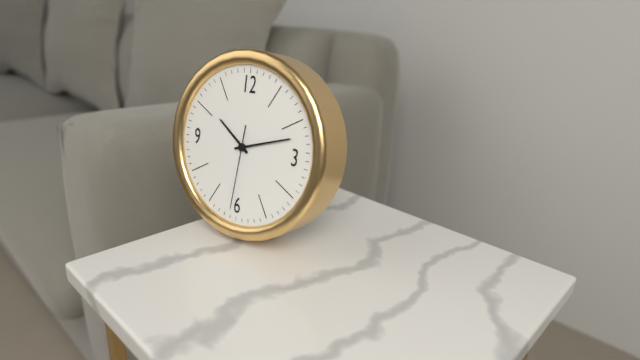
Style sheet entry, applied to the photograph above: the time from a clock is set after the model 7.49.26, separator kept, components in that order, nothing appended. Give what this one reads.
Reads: 10.12.31
